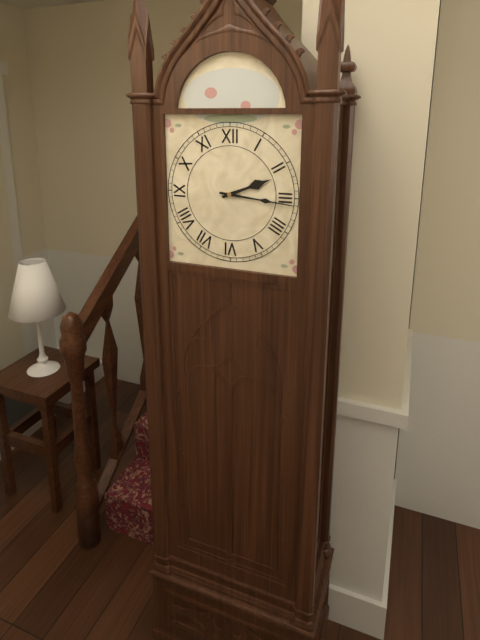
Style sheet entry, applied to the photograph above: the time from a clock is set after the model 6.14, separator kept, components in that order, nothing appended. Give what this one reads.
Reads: 2.16
